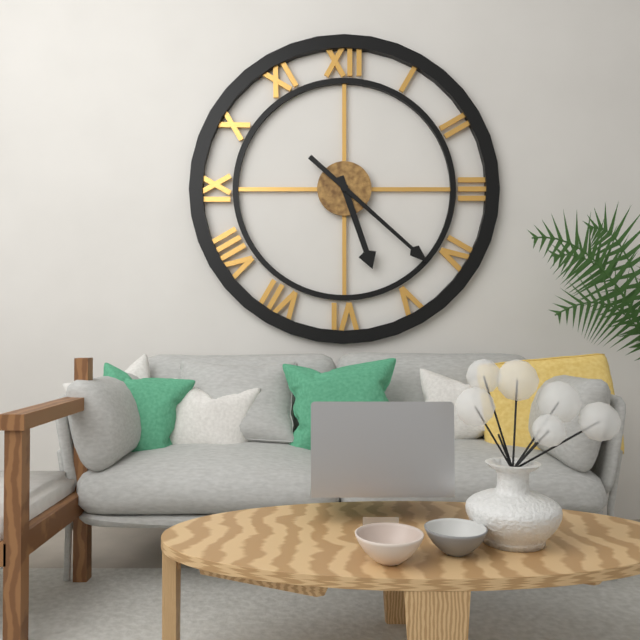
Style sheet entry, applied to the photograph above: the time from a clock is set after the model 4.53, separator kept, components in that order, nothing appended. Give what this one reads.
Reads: 5.22
